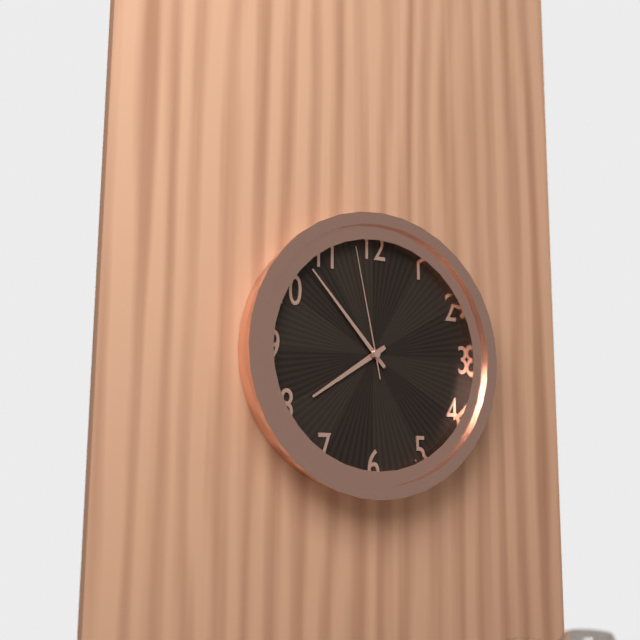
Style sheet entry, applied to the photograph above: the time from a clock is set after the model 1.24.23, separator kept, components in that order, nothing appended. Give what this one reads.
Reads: 7.53.58
